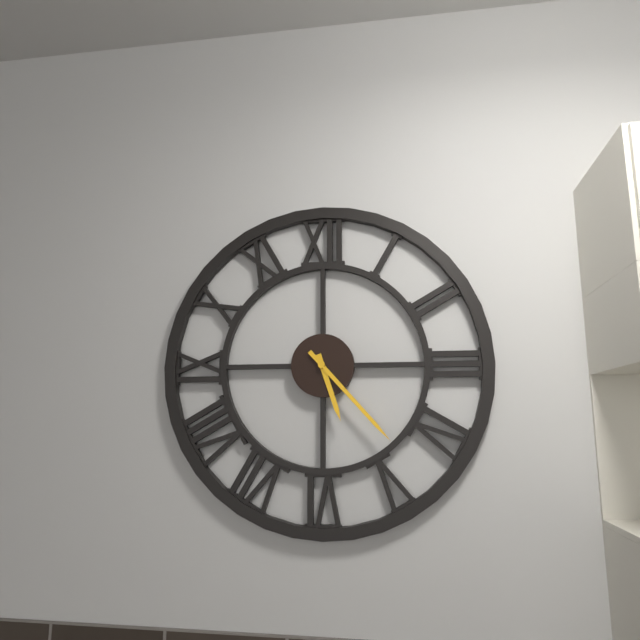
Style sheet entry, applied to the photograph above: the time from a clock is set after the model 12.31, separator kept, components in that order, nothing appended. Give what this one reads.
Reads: 5.23
